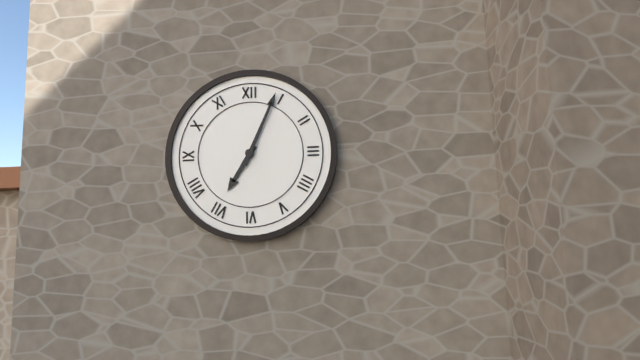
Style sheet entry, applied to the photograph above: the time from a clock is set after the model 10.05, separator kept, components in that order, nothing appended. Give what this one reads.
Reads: 7.04
